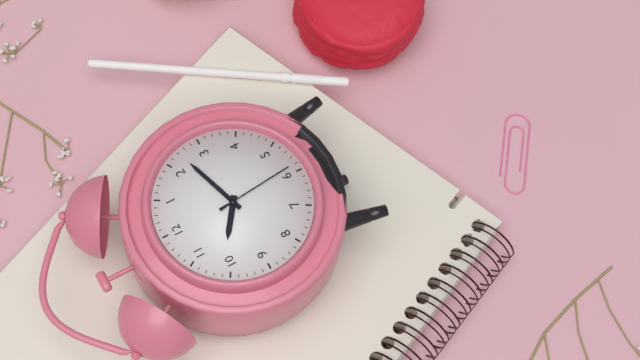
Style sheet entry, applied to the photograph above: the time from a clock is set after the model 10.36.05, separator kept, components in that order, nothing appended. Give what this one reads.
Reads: 10.12.29
